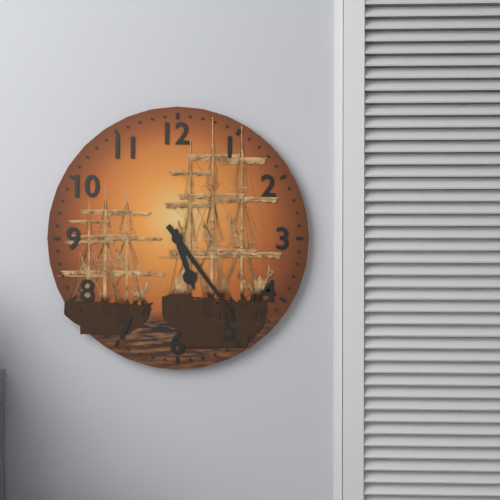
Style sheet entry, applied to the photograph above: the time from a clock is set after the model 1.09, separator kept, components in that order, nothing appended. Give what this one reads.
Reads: 5.24
